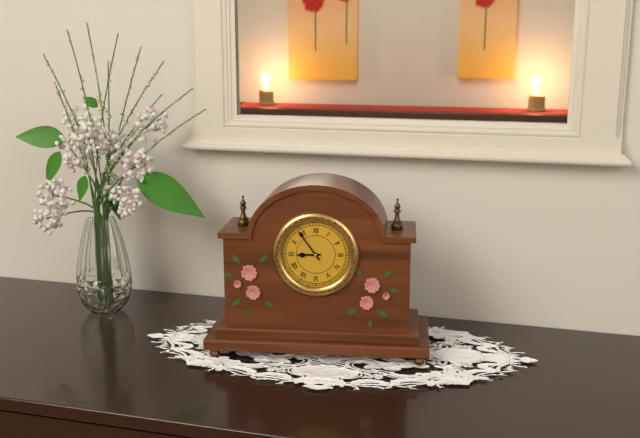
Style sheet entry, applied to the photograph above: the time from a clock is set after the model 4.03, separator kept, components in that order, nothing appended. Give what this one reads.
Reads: 8.54
